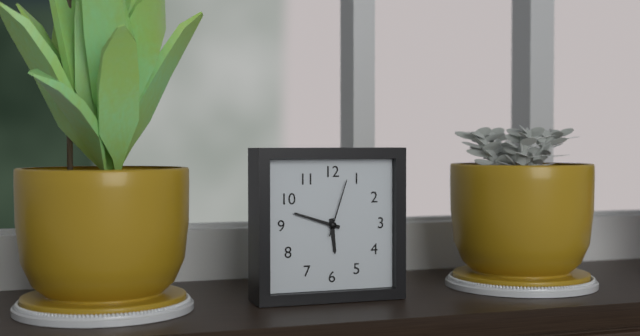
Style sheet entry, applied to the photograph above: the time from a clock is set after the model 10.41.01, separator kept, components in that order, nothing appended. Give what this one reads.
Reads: 5.48.03
